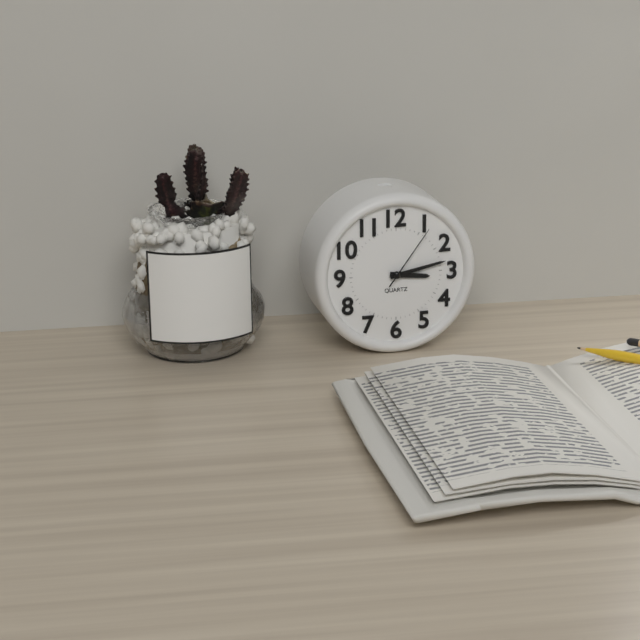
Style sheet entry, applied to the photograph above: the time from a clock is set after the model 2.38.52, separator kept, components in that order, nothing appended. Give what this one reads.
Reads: 3.13.06
